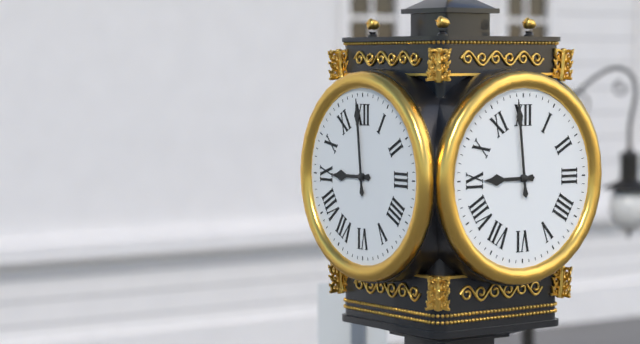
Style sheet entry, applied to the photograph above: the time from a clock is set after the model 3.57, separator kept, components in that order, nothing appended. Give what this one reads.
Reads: 8.59
